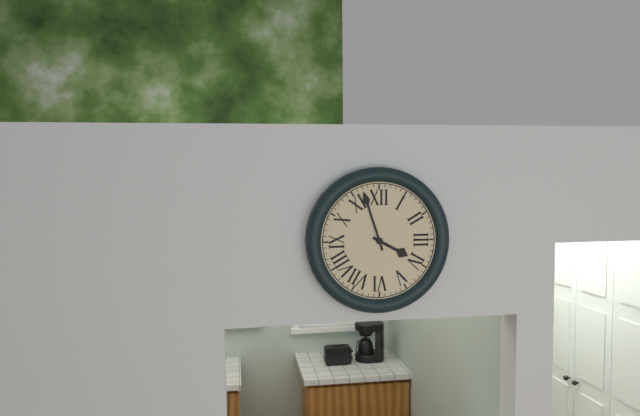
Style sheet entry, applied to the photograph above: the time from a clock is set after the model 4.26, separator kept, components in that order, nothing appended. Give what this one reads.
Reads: 3.57
